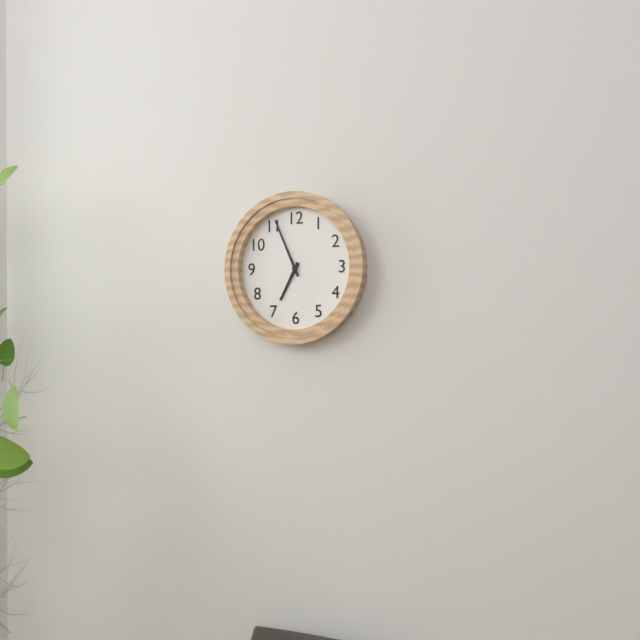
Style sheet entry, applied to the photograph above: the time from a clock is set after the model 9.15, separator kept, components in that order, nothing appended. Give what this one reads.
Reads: 6.56
